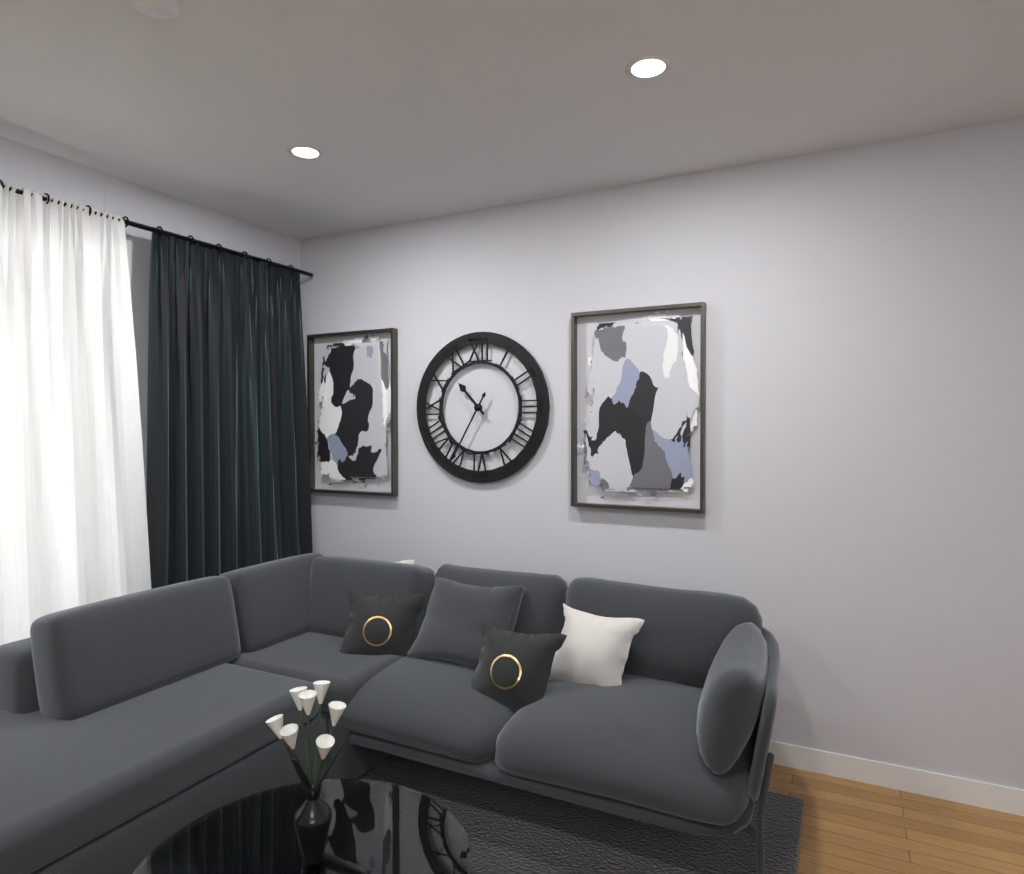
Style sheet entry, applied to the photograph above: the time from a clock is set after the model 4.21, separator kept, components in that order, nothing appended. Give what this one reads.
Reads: 10.35
